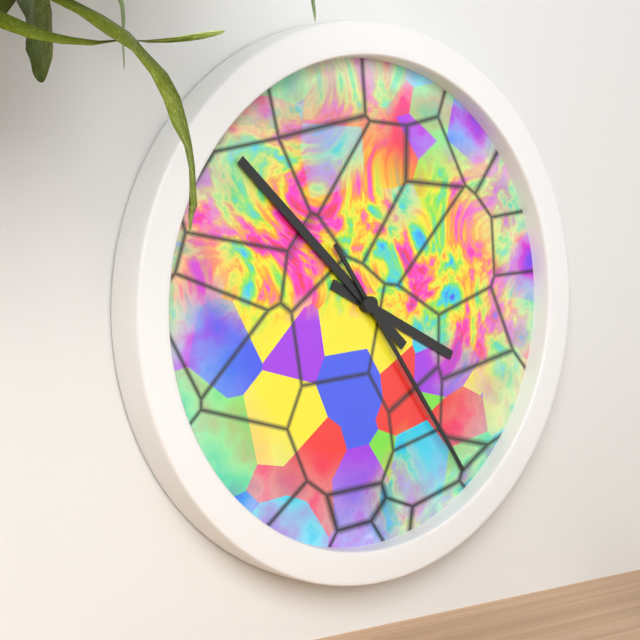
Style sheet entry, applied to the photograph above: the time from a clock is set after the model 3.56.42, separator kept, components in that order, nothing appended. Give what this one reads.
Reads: 3.52.24
